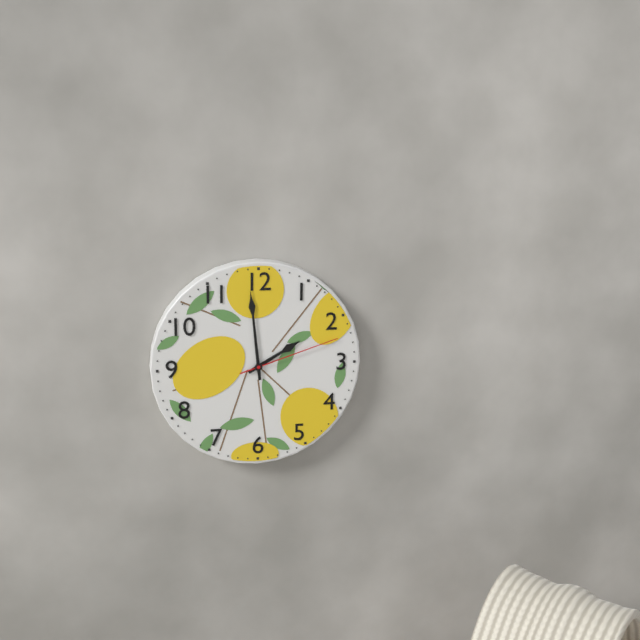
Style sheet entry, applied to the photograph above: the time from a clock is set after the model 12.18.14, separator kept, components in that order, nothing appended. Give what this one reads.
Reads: 1.59.12
